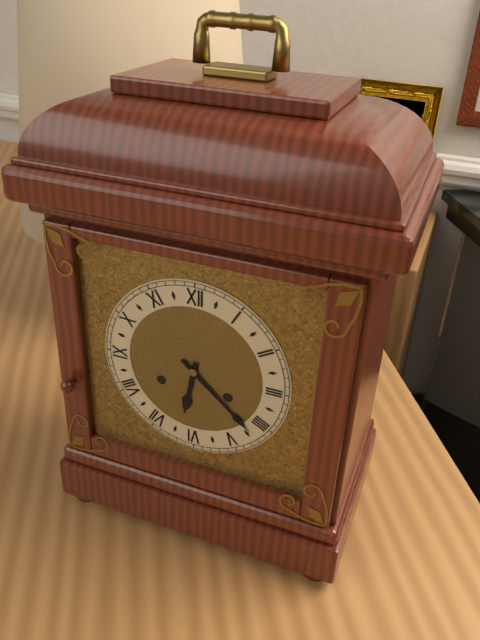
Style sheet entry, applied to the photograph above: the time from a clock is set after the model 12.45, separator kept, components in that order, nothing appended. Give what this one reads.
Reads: 6.22
